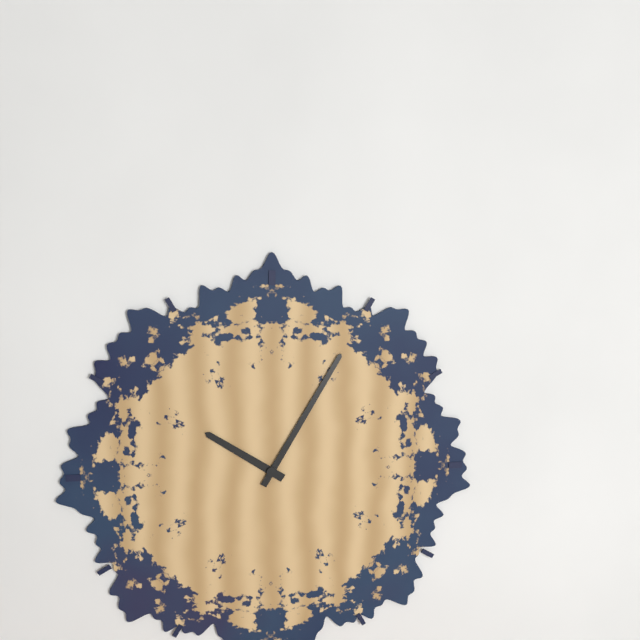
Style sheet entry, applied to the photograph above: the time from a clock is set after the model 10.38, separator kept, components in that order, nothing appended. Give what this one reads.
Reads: 10.05
